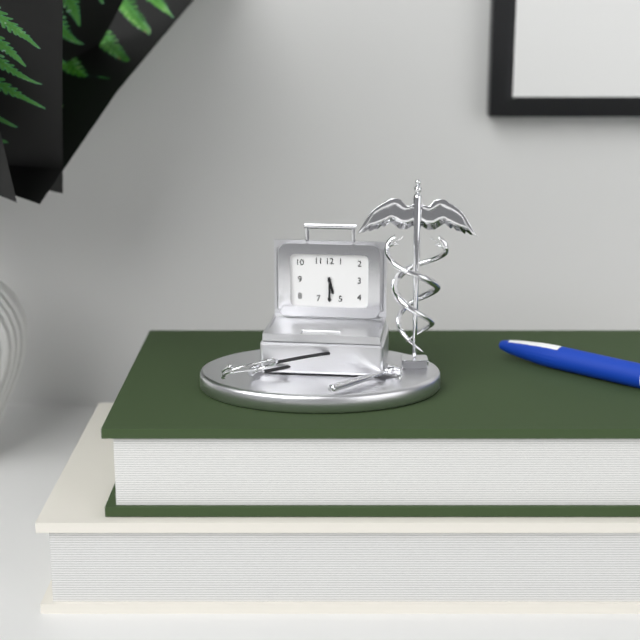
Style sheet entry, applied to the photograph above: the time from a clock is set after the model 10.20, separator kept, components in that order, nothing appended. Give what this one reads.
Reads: 5.30
